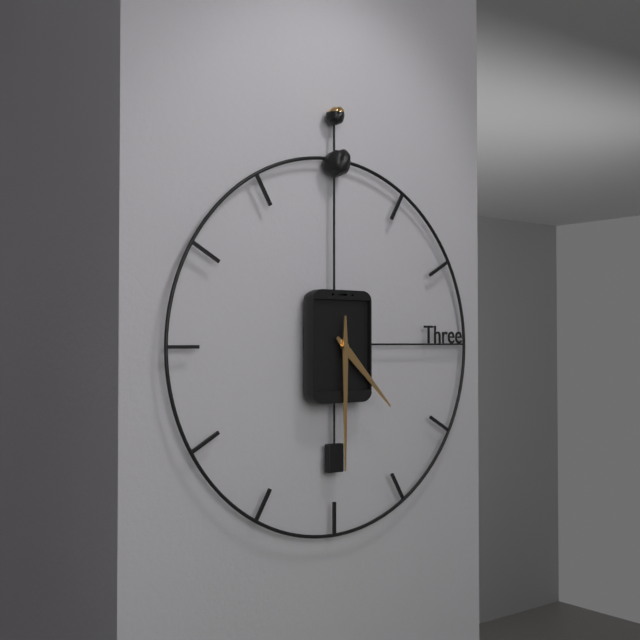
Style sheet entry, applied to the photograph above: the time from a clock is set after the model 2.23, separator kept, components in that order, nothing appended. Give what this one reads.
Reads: 4.30
